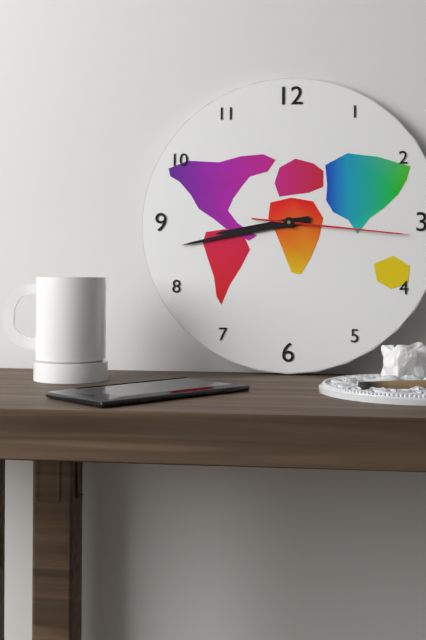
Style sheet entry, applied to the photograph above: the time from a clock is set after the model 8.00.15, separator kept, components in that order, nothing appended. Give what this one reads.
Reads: 8.43.16
